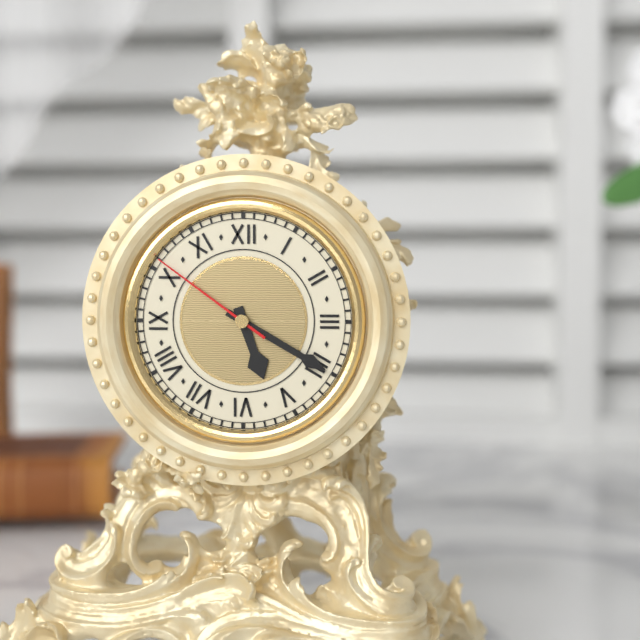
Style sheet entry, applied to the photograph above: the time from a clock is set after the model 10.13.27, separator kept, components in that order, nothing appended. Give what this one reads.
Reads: 5.20.51
